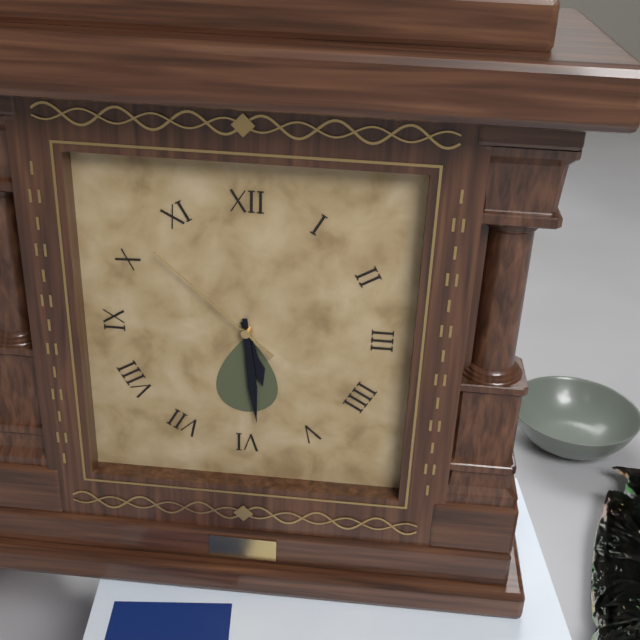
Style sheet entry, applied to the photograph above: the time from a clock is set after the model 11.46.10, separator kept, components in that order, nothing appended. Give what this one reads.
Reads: 5.29.52
